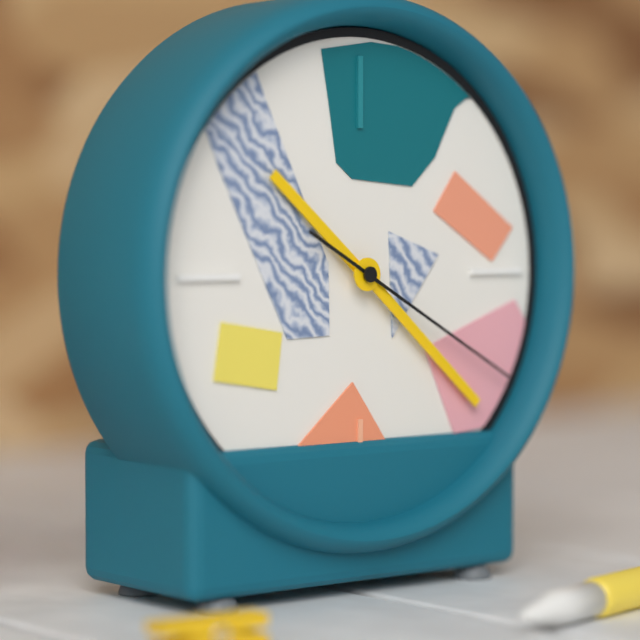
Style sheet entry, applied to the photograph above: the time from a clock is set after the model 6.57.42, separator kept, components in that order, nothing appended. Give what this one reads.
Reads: 10.22.20
